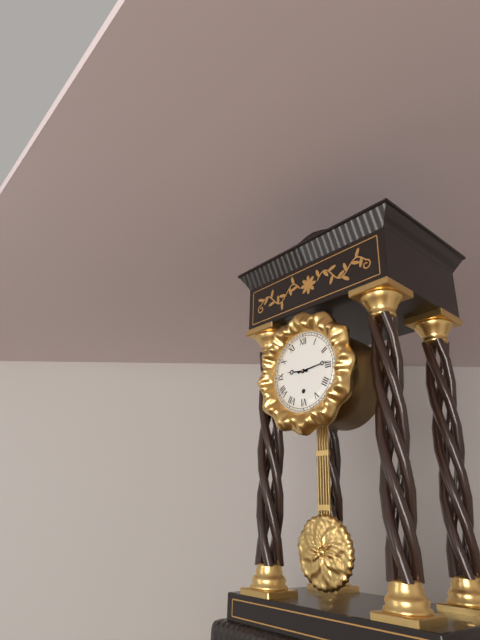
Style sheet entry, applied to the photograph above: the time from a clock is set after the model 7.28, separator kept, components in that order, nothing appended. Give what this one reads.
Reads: 9.14
